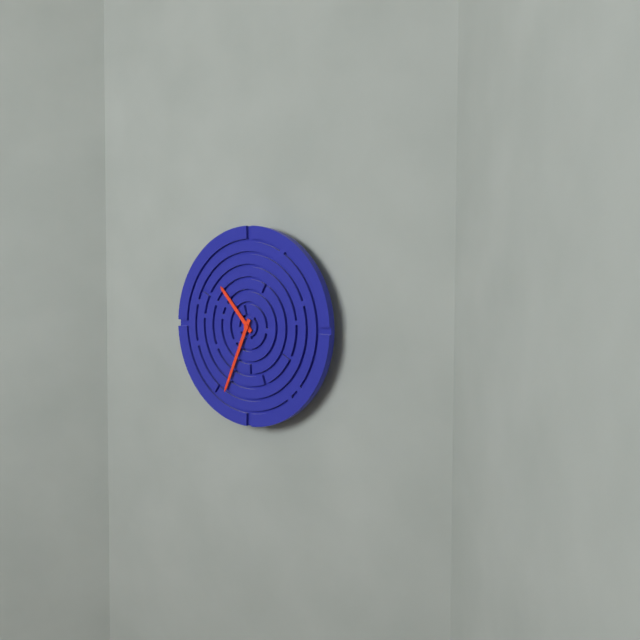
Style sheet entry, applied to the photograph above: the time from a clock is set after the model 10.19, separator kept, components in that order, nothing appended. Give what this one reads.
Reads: 10.34
